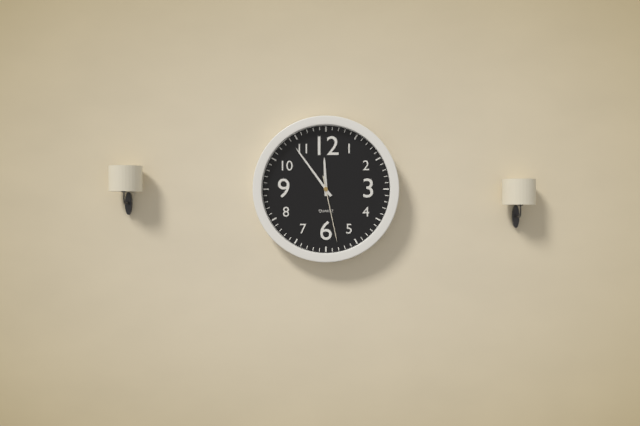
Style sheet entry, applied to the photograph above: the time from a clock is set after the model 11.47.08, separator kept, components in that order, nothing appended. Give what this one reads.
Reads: 11.54.28
